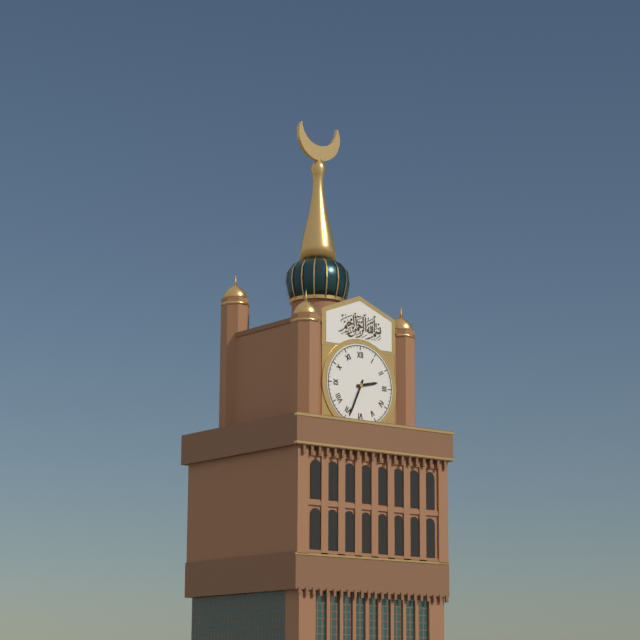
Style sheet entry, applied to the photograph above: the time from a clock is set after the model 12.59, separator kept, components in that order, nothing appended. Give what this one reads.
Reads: 2.34
